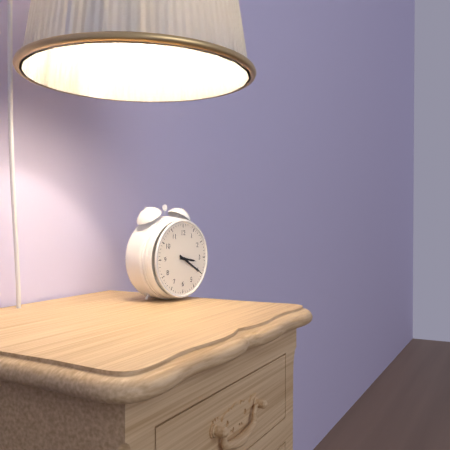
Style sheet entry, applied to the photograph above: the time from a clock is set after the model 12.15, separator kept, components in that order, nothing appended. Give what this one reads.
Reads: 3.20
